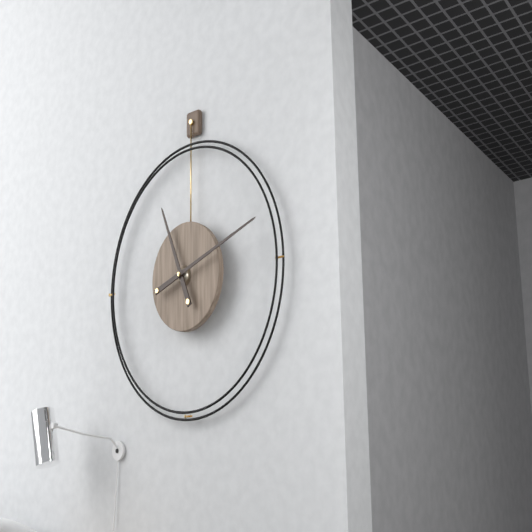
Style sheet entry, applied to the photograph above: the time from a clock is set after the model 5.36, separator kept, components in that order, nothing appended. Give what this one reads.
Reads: 11.12
